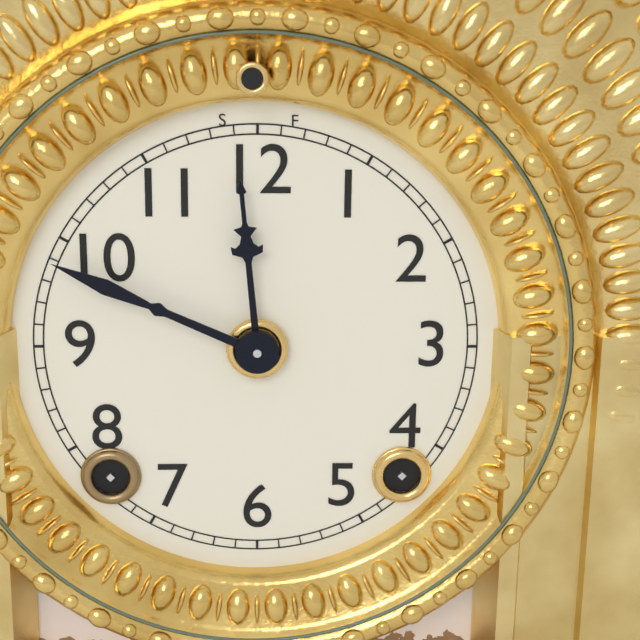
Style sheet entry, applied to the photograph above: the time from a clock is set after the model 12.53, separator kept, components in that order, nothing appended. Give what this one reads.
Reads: 11.49
